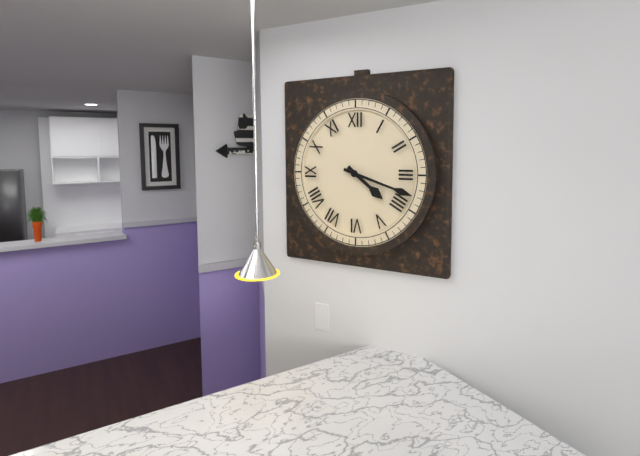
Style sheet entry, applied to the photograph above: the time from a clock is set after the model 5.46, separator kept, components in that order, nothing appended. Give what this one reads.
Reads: 4.18
